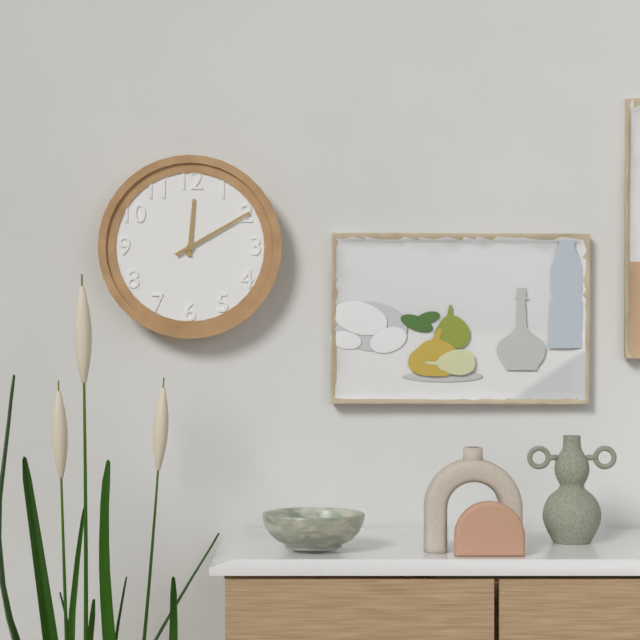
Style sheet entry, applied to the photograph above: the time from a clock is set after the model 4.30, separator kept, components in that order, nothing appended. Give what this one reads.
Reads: 12.10
